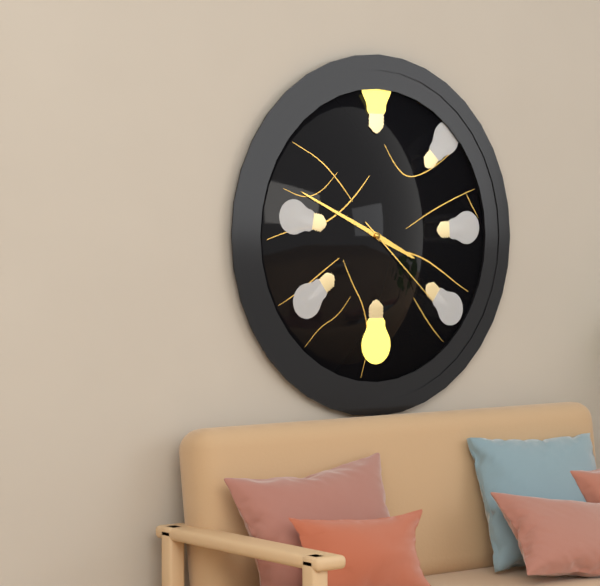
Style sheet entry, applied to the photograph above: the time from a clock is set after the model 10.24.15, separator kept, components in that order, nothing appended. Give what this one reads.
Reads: 3.49.22
